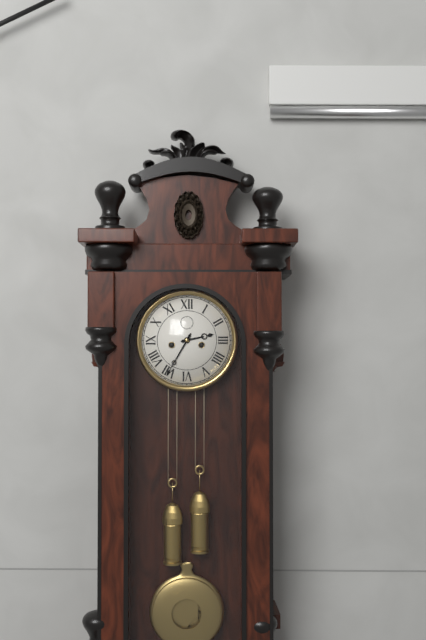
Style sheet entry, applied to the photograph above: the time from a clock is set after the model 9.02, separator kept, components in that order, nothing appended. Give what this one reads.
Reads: 2.35
